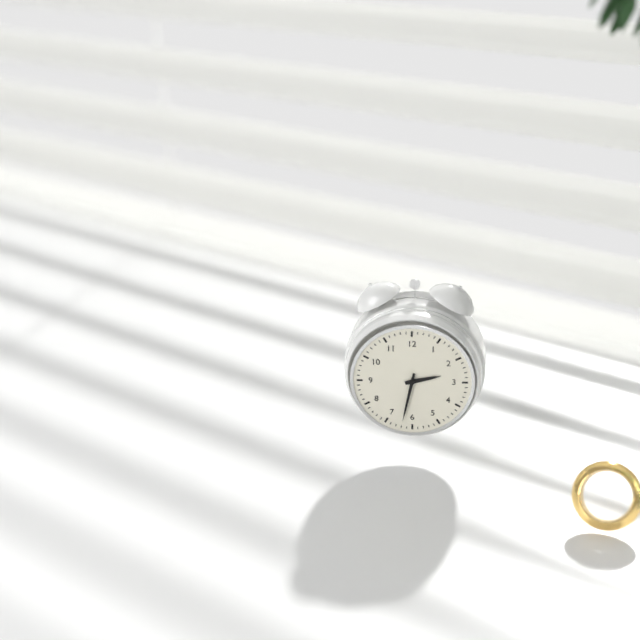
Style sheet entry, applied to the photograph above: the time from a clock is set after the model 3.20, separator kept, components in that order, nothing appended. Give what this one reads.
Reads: 2.32
